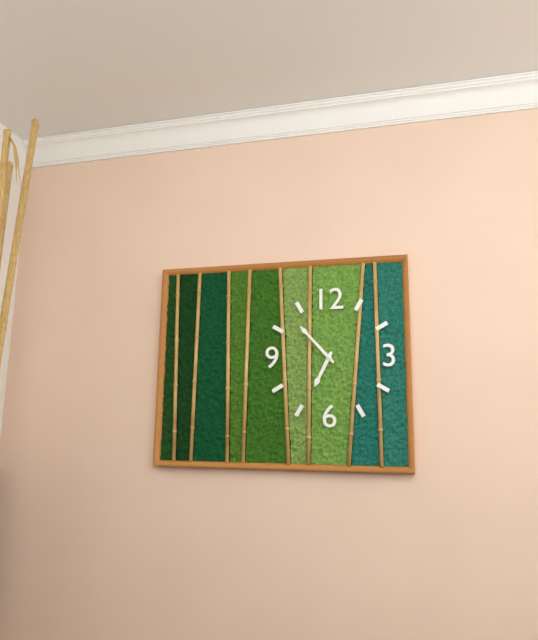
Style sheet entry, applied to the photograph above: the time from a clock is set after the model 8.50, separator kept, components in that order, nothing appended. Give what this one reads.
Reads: 6.53
